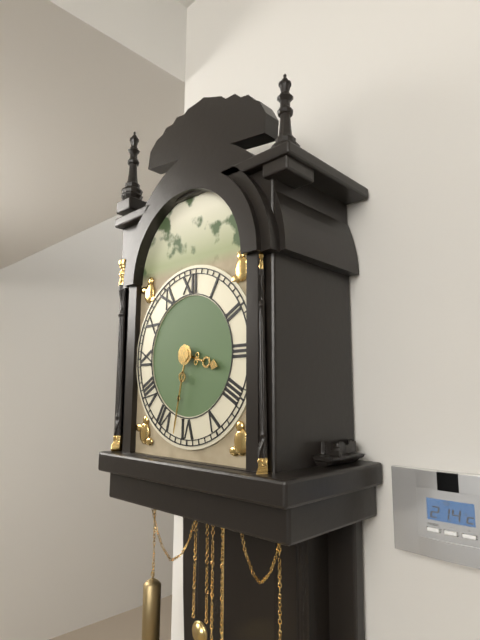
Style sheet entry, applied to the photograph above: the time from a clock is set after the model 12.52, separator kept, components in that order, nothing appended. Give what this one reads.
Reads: 3.32
